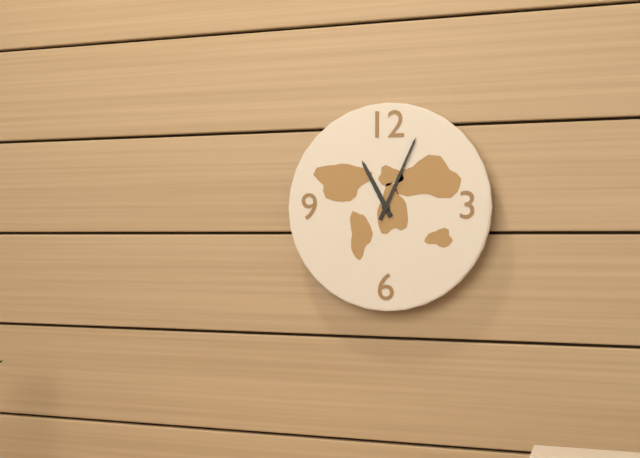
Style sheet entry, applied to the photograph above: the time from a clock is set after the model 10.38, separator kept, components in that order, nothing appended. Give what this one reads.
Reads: 11.04
